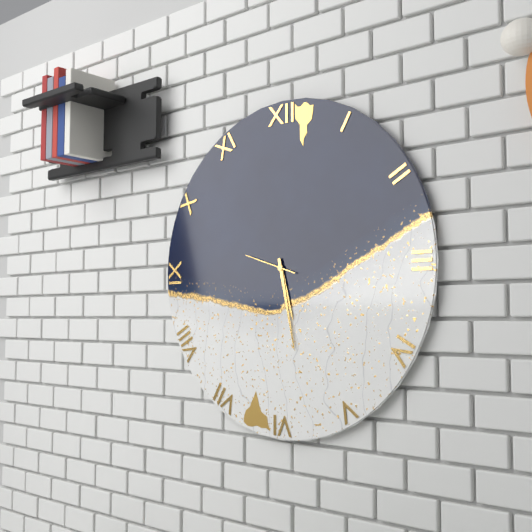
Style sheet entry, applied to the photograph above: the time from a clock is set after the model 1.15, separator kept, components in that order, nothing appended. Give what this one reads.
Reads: 5.28
